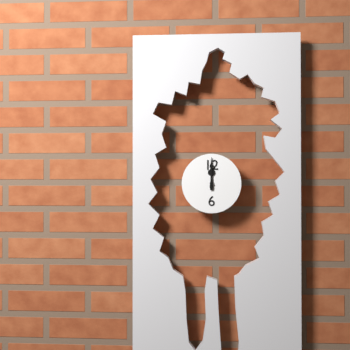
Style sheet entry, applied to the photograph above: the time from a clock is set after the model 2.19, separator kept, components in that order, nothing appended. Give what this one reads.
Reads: 12.00
